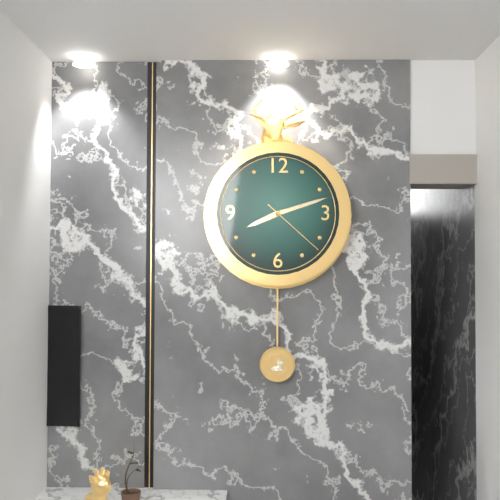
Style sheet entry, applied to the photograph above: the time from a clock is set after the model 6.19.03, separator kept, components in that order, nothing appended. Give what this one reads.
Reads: 8.12.22
